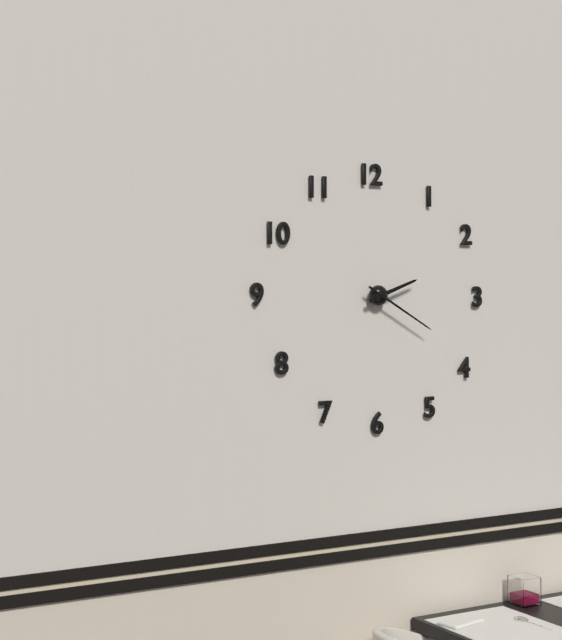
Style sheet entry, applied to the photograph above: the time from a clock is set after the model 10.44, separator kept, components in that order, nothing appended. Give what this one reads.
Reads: 2.20
